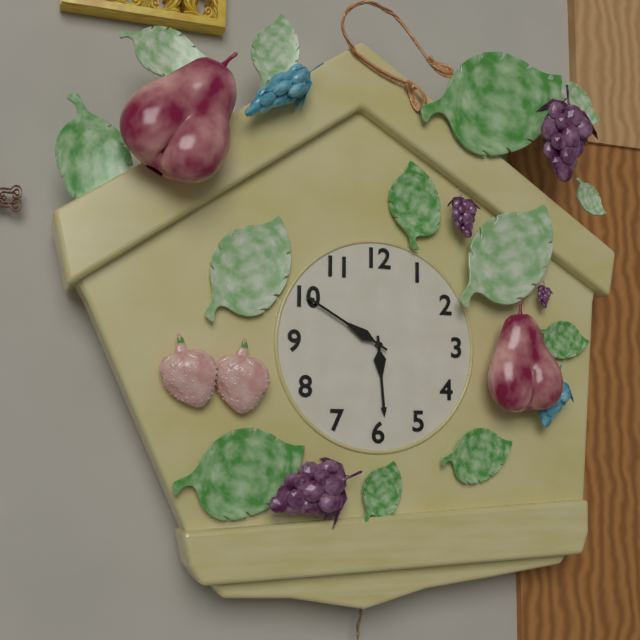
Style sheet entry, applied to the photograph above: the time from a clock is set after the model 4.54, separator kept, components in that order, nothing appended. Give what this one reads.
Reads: 5.50
